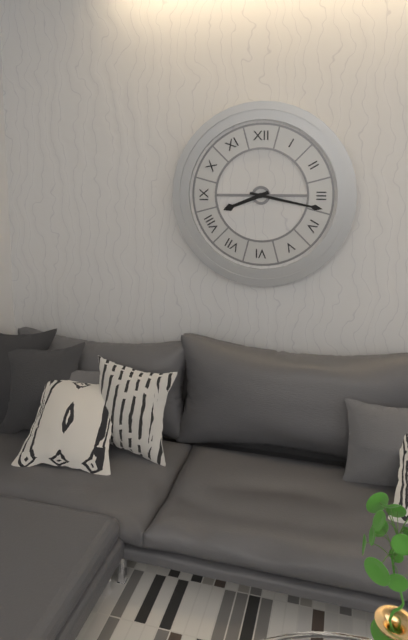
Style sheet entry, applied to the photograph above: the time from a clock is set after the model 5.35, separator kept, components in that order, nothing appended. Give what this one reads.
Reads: 8.17
